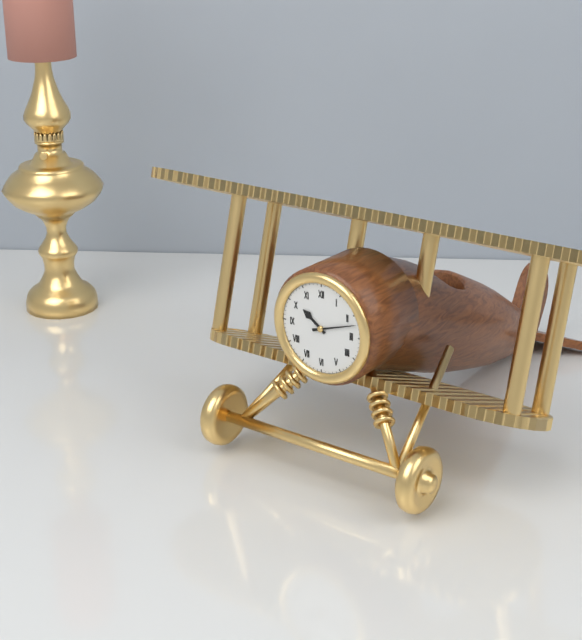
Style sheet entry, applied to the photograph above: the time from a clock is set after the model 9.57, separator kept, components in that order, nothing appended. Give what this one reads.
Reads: 10.12
